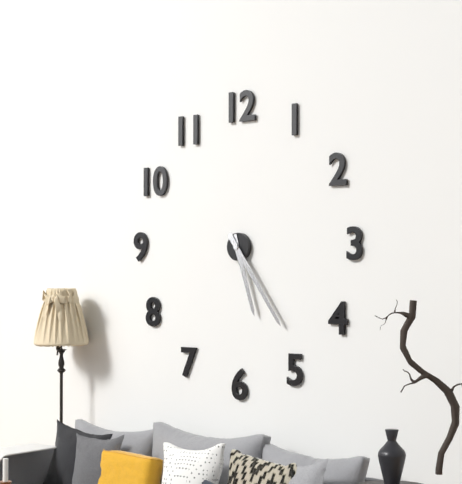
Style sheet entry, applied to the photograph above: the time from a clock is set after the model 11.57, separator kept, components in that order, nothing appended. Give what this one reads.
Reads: 5.24
